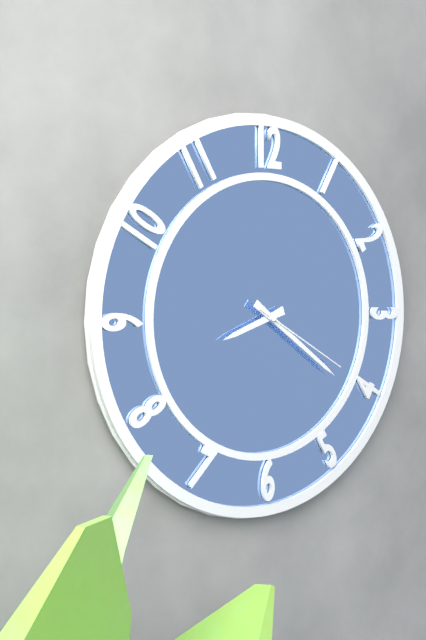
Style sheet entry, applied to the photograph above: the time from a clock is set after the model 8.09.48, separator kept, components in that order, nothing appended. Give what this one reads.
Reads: 8.21.20
